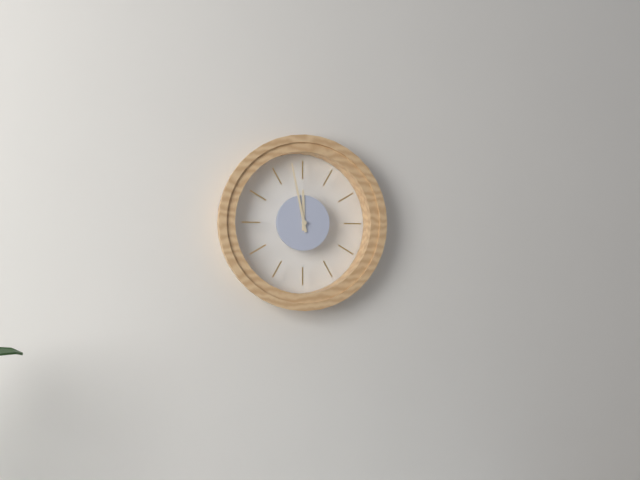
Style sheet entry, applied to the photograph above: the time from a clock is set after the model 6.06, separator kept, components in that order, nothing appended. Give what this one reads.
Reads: 11.58
